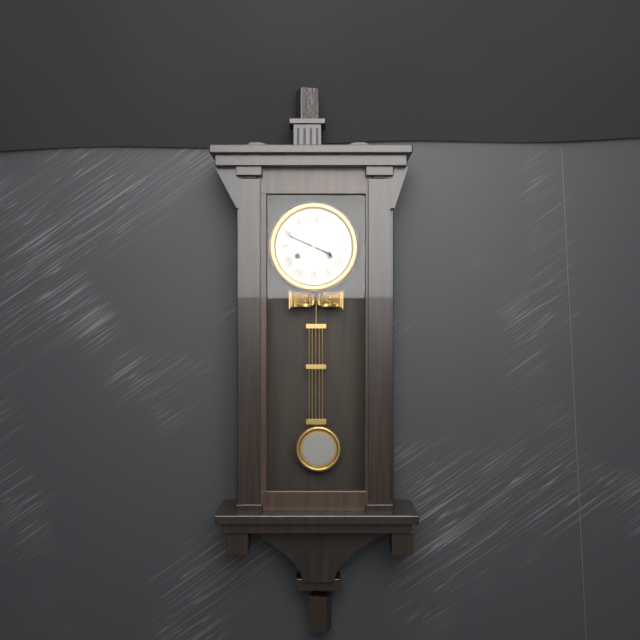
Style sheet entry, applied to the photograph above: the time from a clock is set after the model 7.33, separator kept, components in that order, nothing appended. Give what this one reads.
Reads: 3.49
